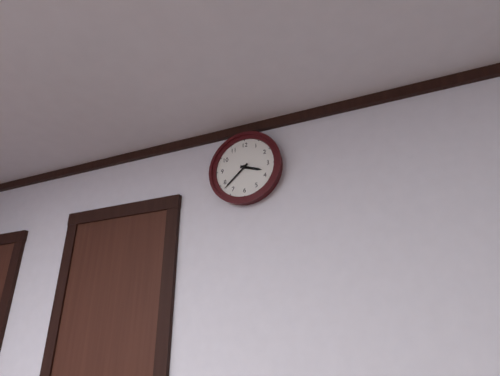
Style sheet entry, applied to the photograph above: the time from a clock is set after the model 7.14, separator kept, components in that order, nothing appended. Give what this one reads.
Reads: 3.38
